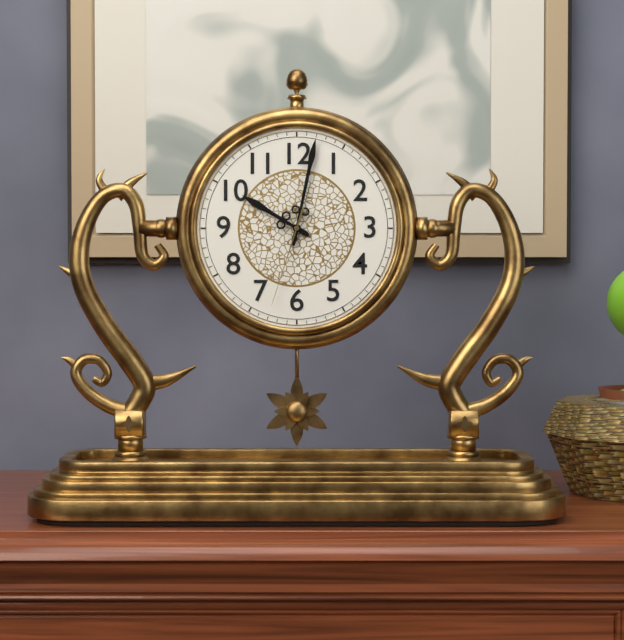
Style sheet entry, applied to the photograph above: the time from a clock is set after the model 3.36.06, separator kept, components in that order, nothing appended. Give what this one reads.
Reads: 10.02.33
